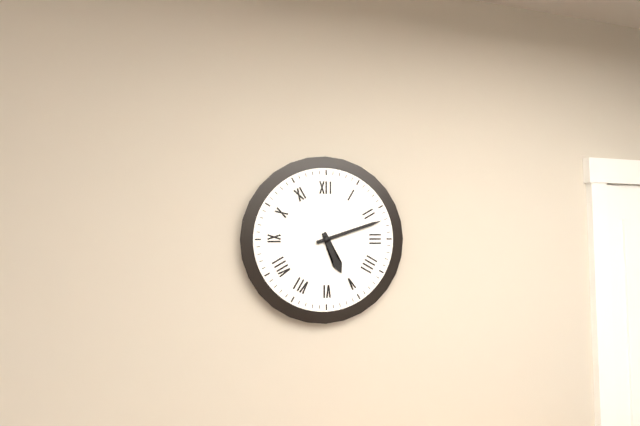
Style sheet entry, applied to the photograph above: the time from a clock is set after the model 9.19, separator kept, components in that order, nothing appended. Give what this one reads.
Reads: 5.12
